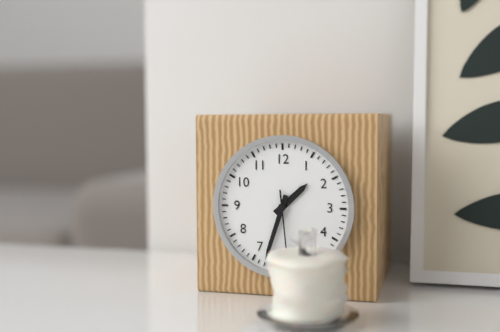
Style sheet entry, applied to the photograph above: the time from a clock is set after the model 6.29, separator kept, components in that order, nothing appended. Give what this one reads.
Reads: 1.33
